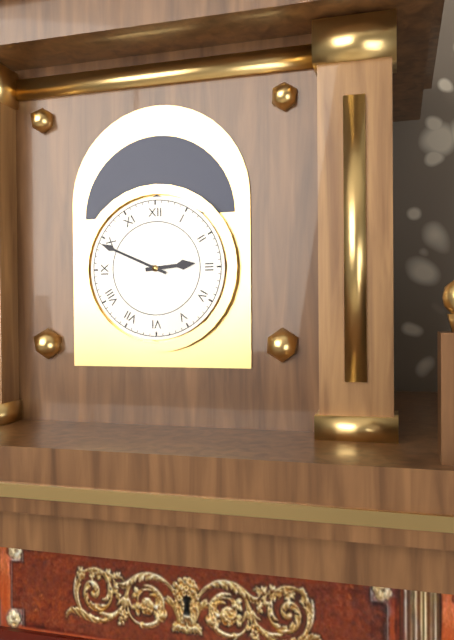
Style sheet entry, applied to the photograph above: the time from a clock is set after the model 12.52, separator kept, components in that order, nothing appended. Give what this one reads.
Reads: 2.49
